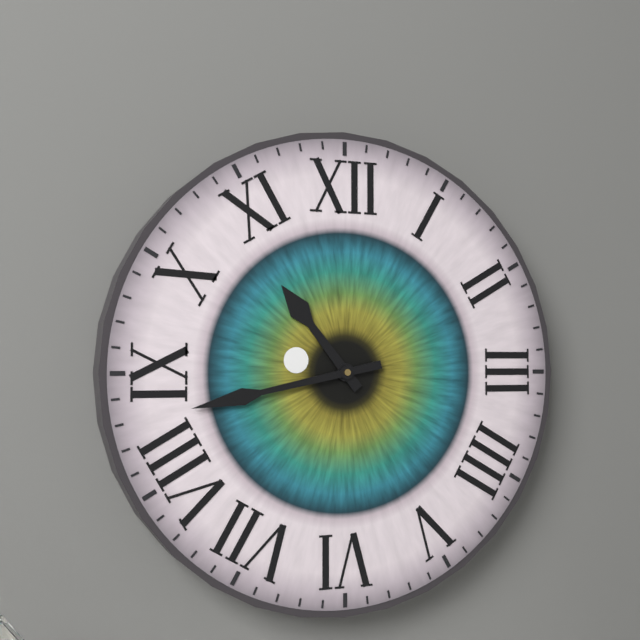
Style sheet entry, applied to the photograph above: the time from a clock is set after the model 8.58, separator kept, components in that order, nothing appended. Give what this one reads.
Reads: 10.43
